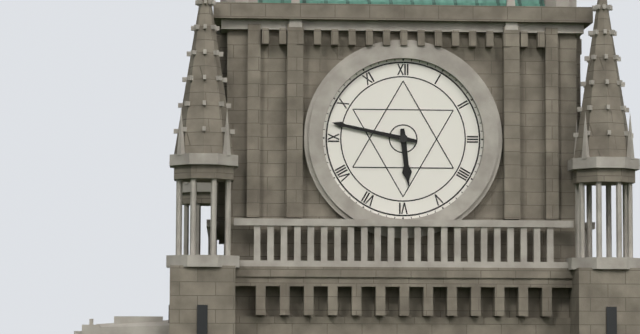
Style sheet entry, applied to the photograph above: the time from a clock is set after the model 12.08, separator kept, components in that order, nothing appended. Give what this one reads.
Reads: 5.47
